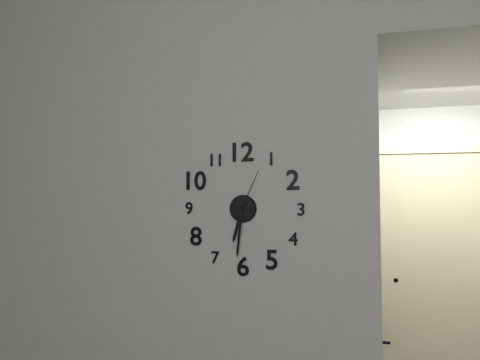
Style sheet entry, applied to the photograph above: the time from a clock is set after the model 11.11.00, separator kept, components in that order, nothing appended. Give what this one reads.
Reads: 6.31.04
